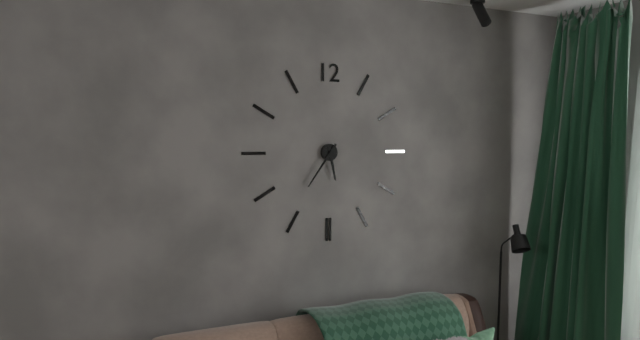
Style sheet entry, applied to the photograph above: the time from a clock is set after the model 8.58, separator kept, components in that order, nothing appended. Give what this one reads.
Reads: 5.36
